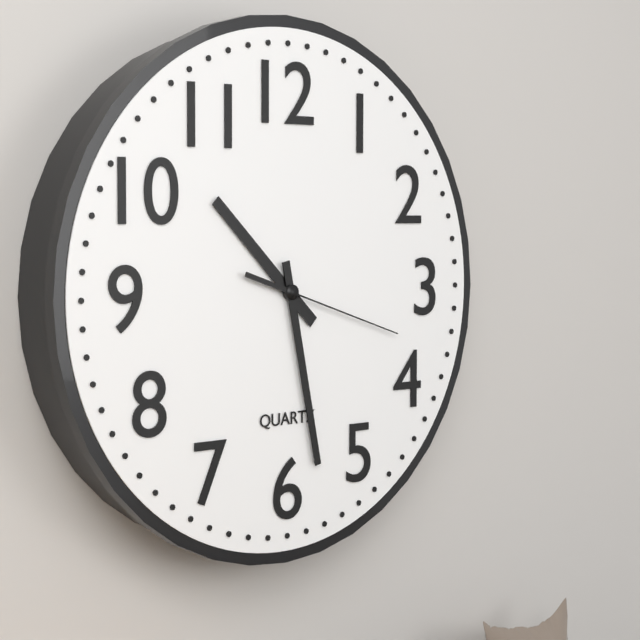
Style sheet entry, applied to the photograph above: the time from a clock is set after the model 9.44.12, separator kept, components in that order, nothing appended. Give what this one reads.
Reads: 10.28.18
